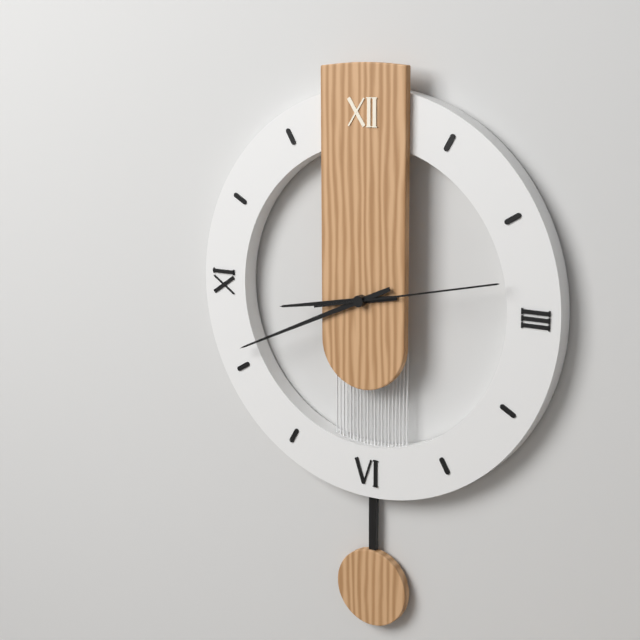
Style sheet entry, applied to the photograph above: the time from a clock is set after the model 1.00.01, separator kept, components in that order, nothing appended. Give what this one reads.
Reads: 8.41.13
